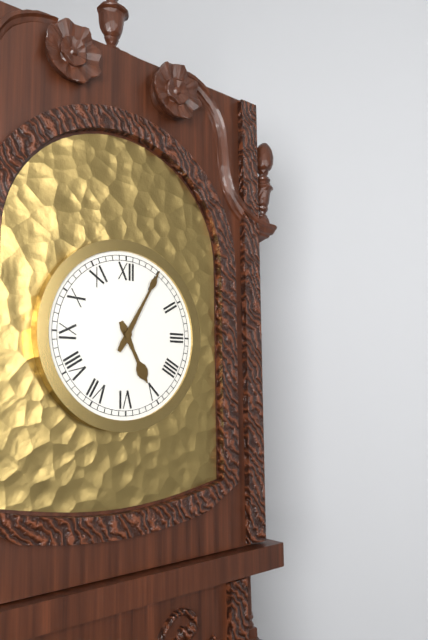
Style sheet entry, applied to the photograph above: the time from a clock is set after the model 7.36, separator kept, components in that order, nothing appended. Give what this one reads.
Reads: 5.05
